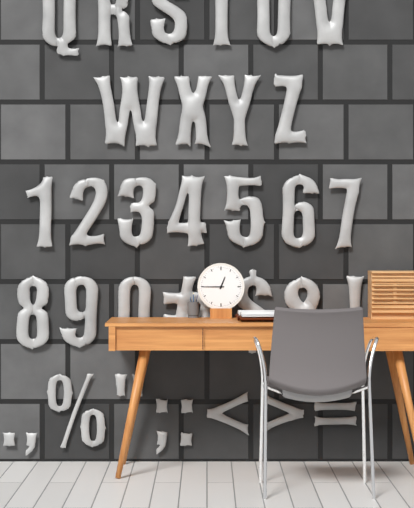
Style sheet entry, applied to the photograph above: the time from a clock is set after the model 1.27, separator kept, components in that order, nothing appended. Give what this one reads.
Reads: 12.45
